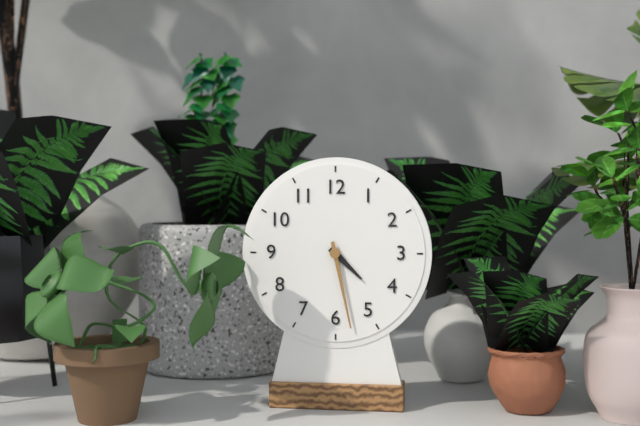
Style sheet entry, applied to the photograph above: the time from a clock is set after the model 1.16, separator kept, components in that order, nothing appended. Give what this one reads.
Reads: 4.28
